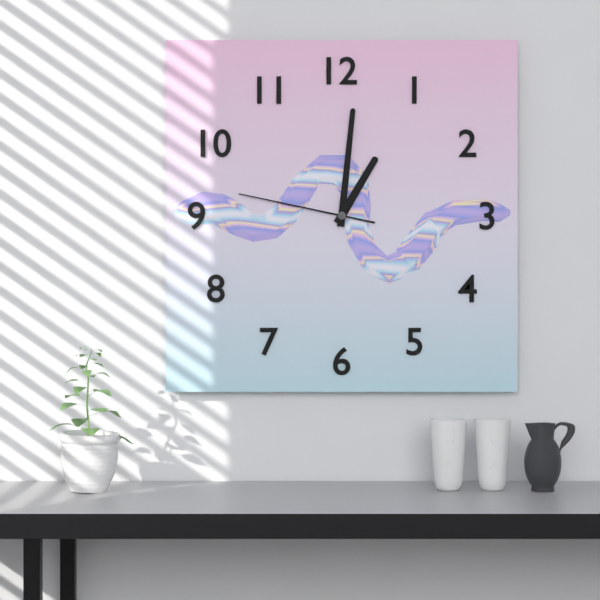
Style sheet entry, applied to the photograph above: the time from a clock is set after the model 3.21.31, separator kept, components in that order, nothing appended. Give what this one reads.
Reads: 1.01.47
